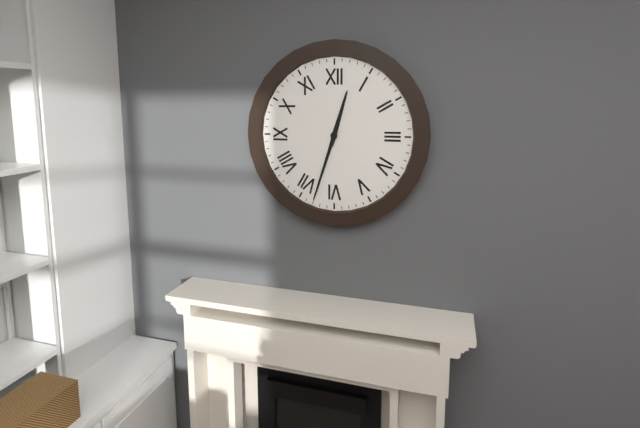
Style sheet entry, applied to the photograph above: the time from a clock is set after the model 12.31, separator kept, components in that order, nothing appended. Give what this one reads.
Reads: 12.33
